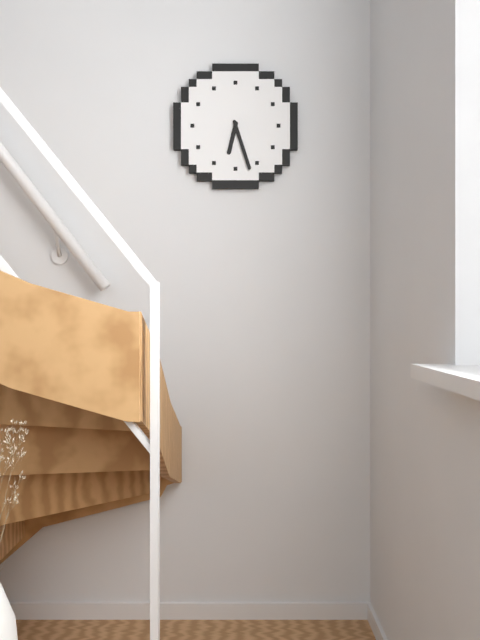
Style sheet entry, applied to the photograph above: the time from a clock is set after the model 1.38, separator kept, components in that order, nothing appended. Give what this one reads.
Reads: 6.27
